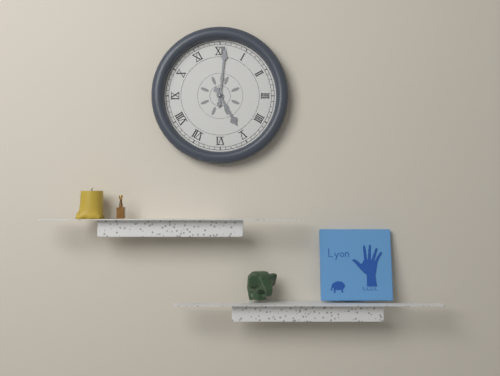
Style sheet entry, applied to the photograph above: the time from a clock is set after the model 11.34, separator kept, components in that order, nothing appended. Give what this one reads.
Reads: 5.01
